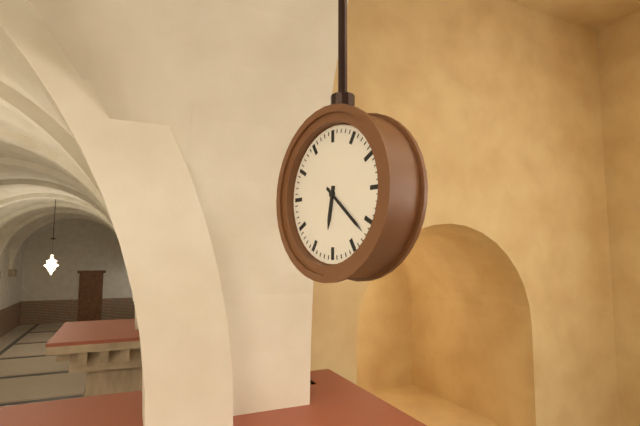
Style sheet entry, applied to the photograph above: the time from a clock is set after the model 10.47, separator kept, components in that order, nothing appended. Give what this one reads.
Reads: 6.22
